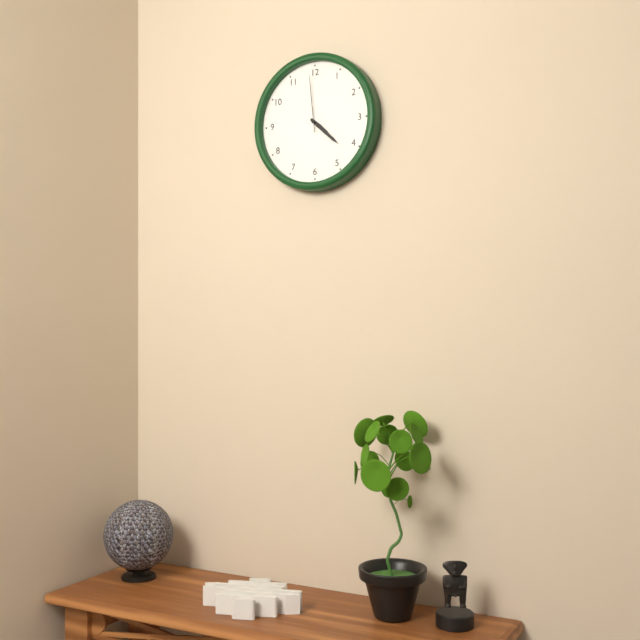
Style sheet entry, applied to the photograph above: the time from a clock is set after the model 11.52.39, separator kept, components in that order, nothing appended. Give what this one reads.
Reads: 4.22.59
